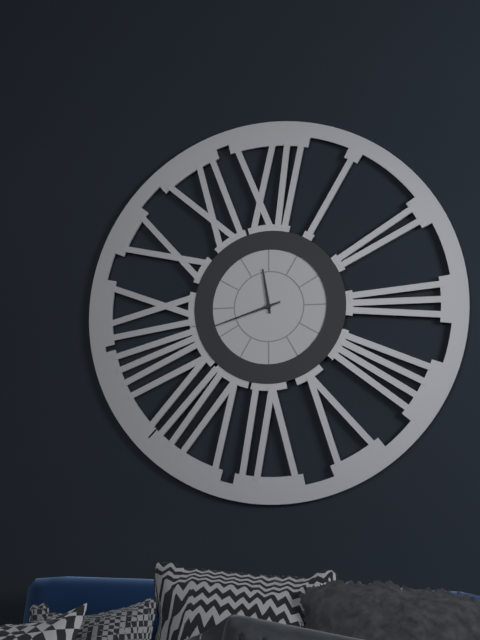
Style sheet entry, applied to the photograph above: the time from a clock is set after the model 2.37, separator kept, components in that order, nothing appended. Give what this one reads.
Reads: 11.42
